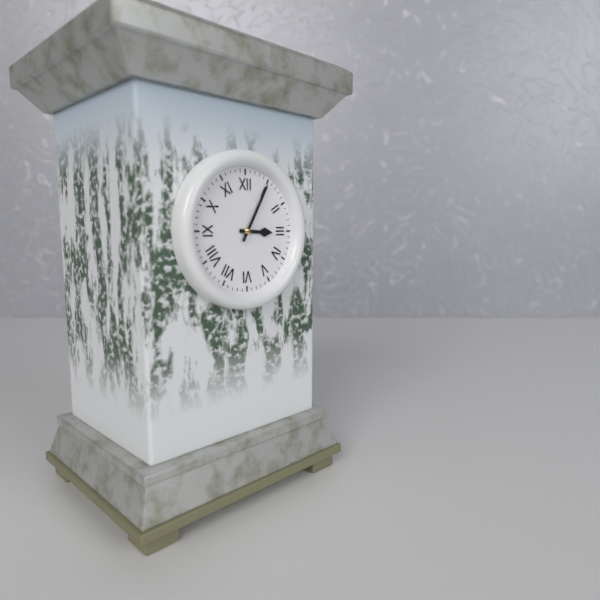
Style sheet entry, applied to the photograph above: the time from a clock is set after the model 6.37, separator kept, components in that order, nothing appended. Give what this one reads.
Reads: 3.05
